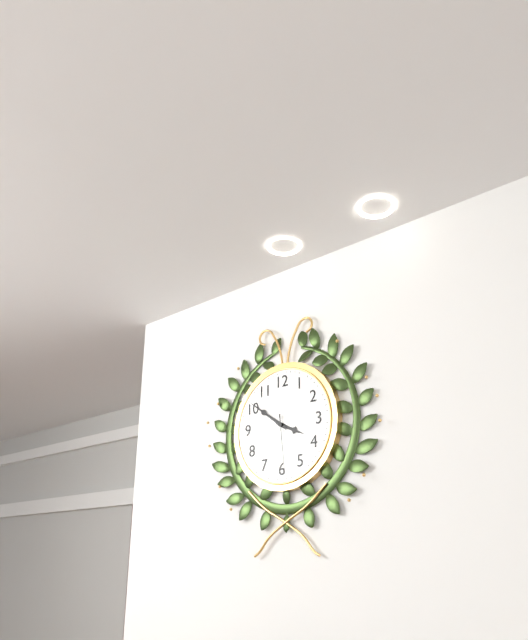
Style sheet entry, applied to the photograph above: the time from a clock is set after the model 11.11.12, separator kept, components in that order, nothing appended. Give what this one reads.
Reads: 3.51.29
